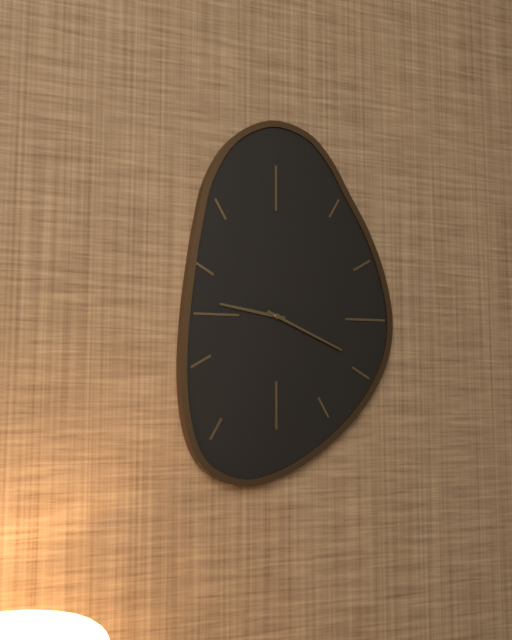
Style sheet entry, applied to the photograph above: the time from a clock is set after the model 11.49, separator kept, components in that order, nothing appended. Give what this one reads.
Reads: 9.19
